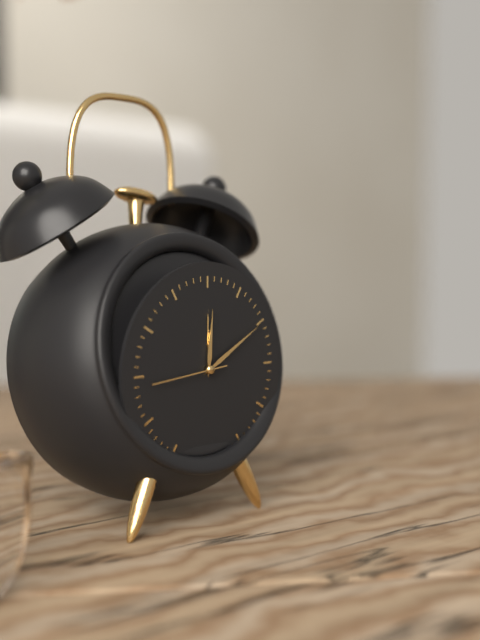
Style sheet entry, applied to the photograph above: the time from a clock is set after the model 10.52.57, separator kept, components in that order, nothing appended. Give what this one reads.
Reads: 12.10.44
